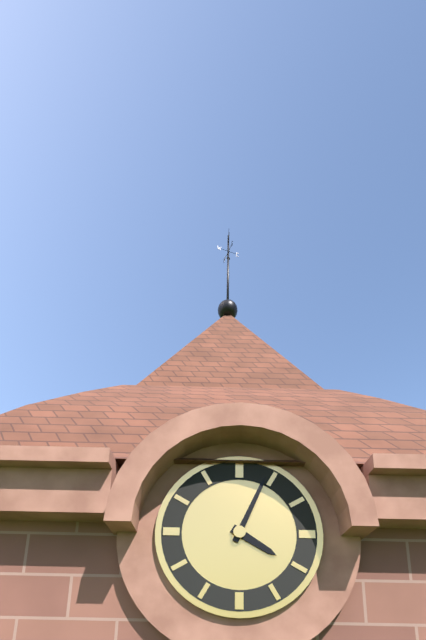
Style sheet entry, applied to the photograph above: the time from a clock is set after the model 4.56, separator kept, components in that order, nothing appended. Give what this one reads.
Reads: 4.04
